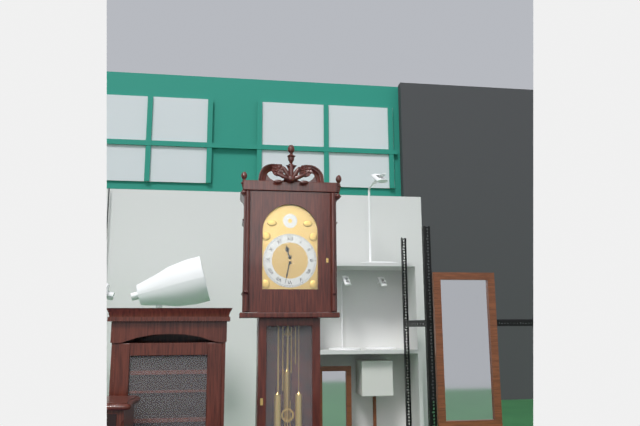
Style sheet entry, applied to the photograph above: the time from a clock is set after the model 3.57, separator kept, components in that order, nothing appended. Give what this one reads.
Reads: 11.32
